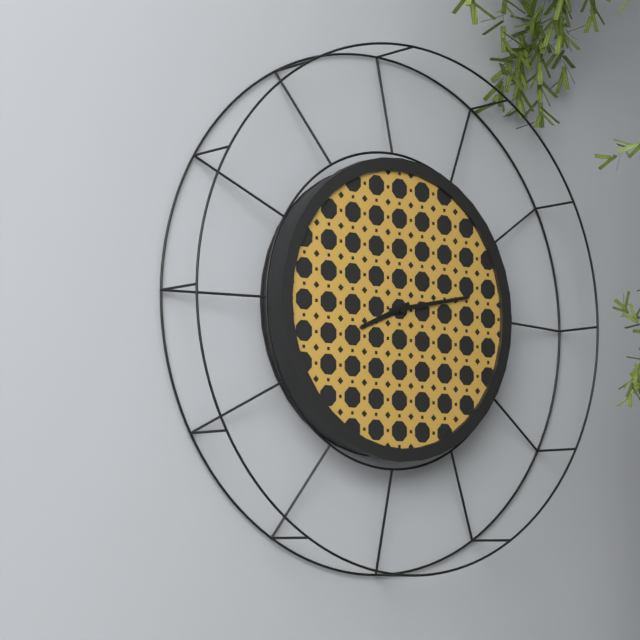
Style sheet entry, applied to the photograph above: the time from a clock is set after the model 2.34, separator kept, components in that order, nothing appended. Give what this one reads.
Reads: 8.13
